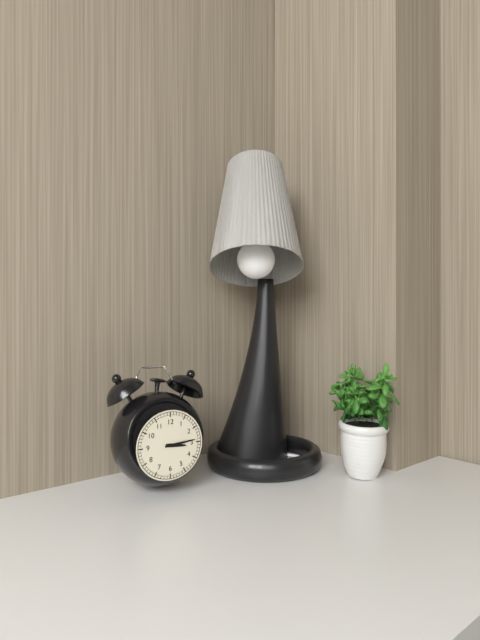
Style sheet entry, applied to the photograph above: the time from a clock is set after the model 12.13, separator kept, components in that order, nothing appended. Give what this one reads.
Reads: 3.14
